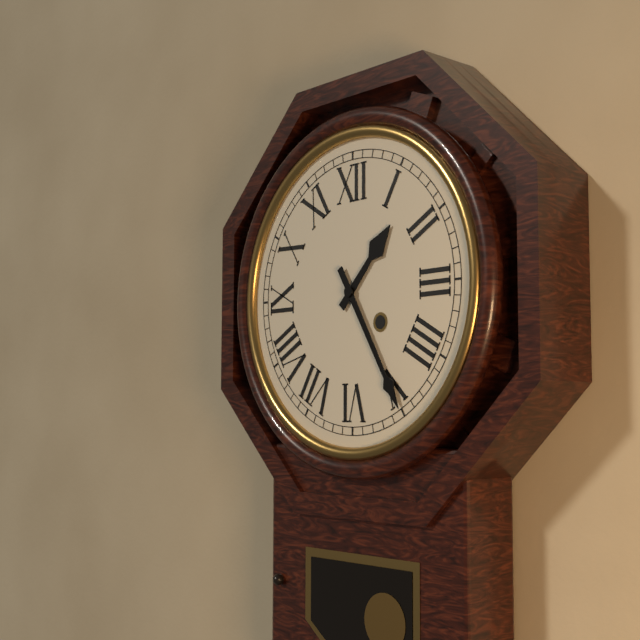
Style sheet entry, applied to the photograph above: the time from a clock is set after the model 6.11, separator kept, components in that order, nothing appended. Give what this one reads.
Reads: 1.25
